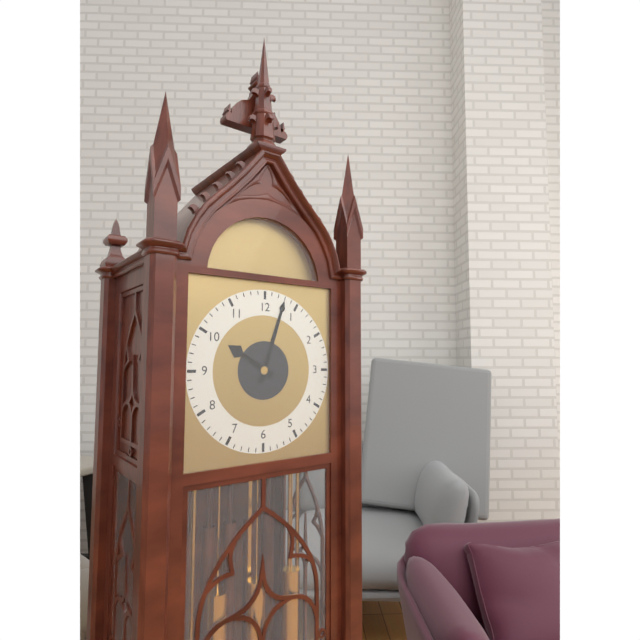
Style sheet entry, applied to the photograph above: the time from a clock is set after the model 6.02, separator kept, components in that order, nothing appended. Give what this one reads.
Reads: 10.03
